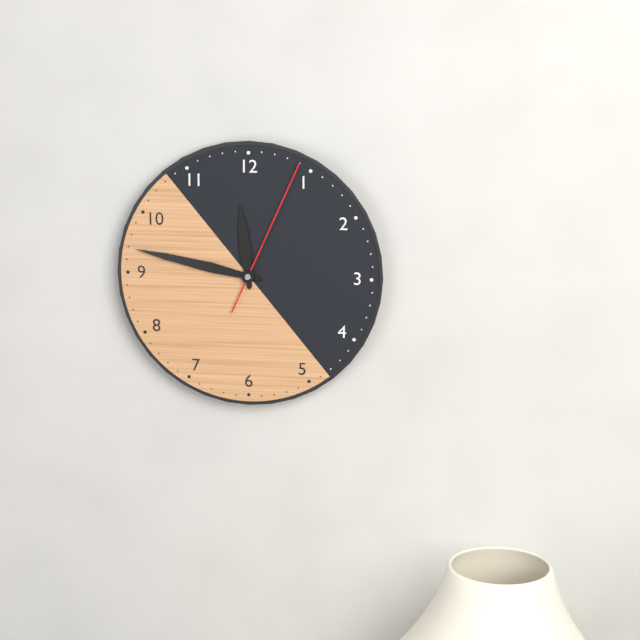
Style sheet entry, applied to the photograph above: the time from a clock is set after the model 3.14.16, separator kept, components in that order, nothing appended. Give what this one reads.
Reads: 11.47.04
